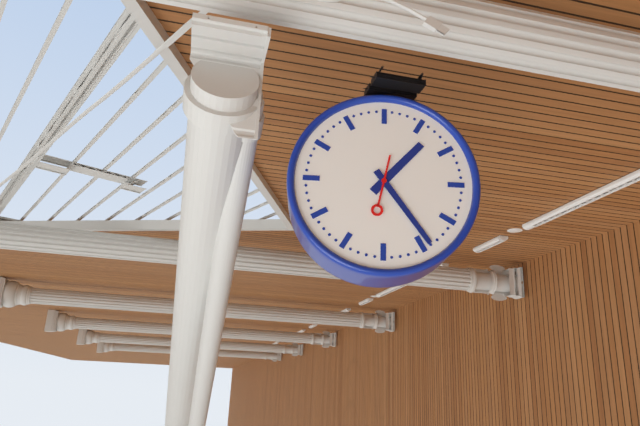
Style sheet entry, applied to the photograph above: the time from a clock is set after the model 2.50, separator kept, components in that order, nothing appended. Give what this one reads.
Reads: 1.24
